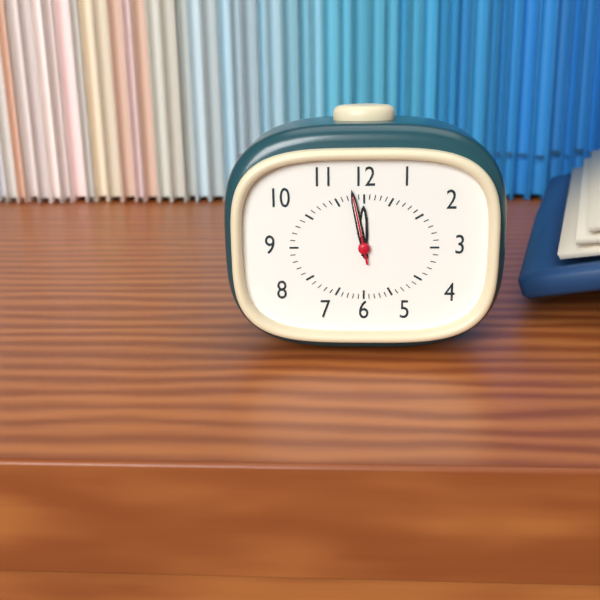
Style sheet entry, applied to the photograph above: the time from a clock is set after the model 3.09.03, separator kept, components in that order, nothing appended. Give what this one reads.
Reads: 11.58.58
